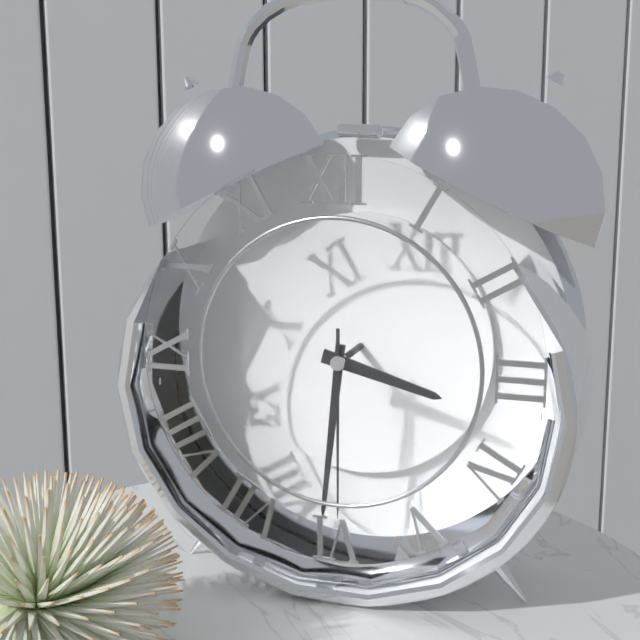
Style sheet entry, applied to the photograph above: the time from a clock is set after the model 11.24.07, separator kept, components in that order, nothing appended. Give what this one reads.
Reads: 3.31.30
